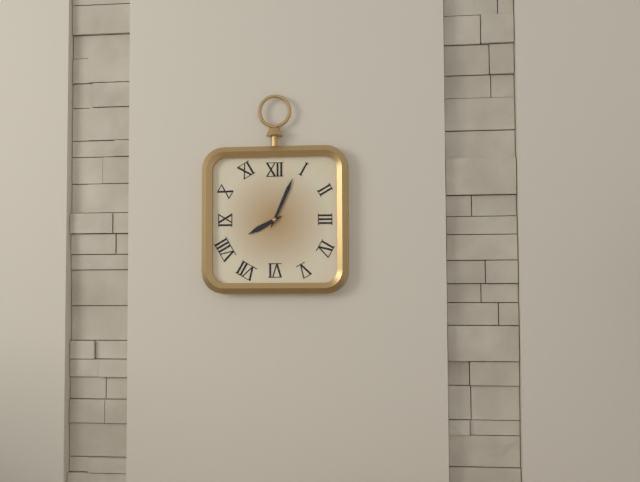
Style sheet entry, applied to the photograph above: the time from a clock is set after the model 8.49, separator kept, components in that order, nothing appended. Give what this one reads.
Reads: 8.04
